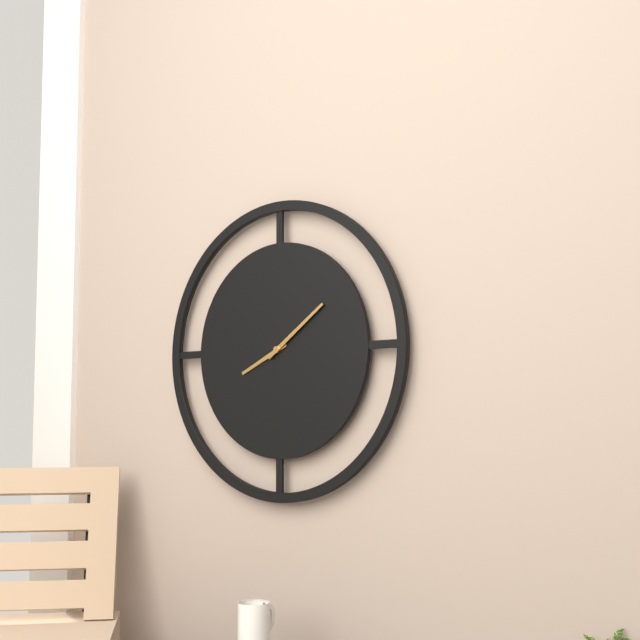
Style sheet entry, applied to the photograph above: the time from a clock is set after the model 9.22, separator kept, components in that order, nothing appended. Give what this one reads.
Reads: 8.09
